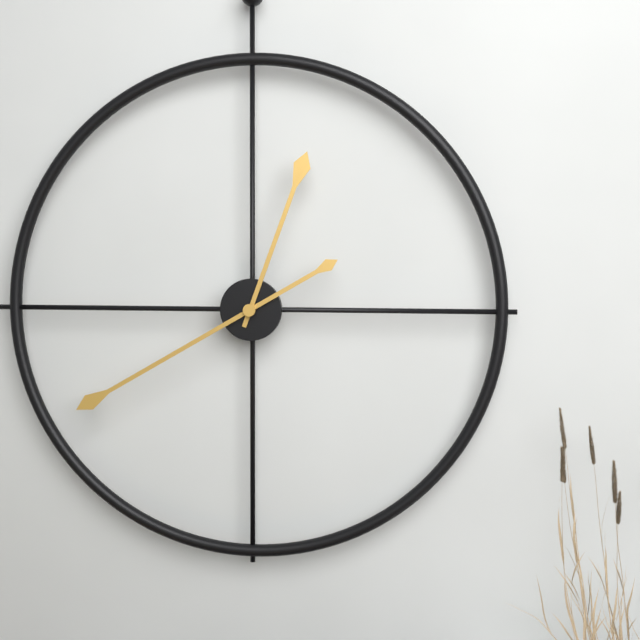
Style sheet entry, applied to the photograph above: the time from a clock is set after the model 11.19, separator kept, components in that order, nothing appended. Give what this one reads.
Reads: 12.40
